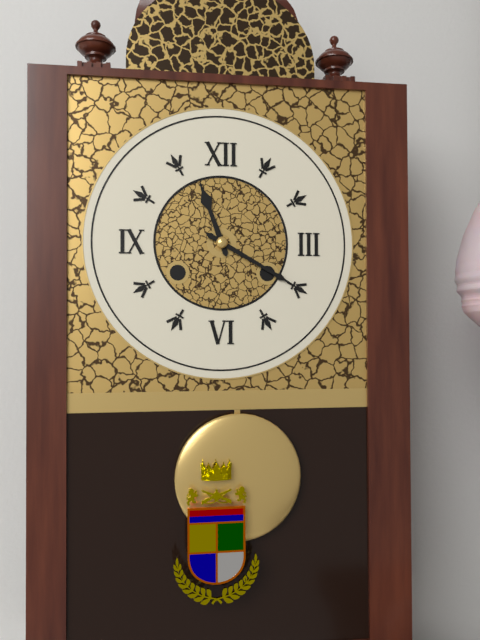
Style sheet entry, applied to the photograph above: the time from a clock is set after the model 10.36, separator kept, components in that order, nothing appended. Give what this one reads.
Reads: 11.20
